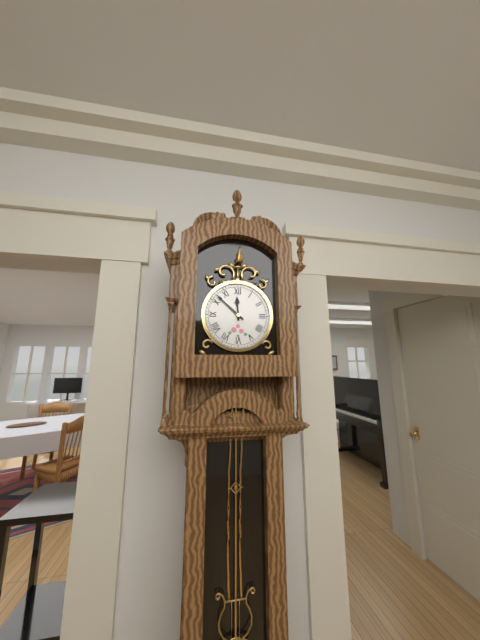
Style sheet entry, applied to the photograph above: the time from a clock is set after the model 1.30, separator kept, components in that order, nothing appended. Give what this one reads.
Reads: 11.52
